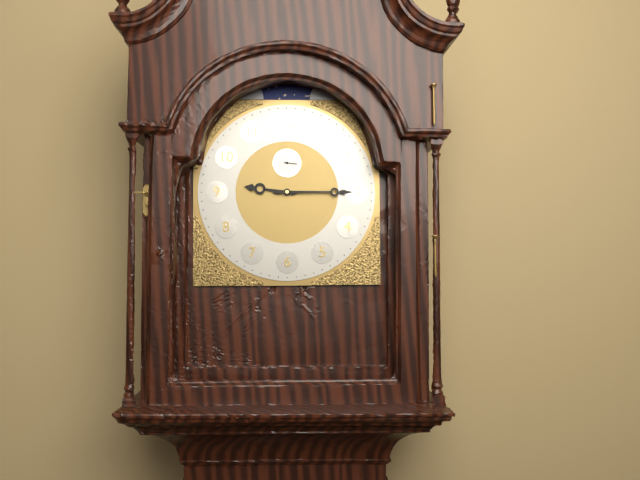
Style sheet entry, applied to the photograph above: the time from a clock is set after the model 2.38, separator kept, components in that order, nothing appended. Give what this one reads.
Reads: 9.15
